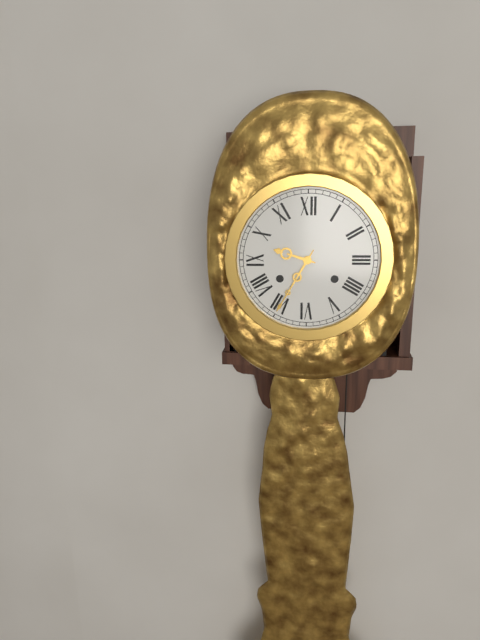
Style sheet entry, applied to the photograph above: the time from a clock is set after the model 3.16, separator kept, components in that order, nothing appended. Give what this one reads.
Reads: 9.35
